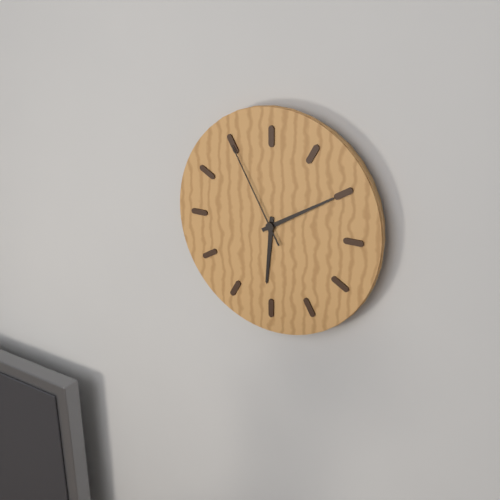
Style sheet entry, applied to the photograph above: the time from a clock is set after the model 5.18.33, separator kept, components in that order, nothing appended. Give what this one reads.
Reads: 6.10.55
